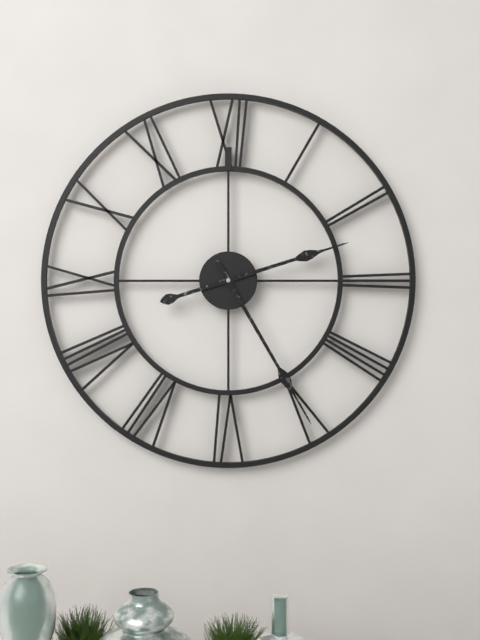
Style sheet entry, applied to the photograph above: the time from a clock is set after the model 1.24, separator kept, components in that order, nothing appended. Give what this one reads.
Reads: 2.25
